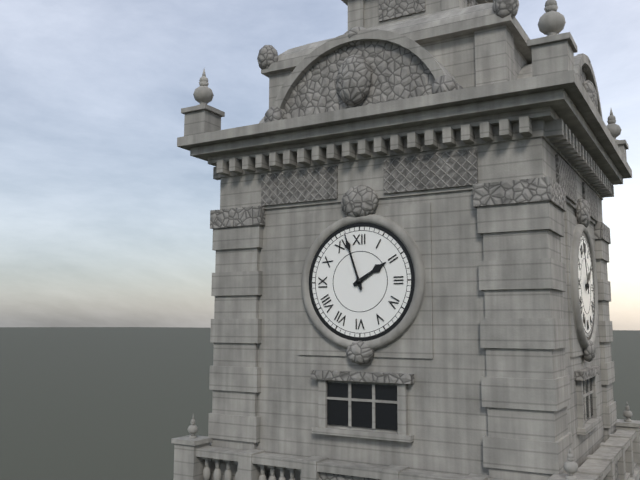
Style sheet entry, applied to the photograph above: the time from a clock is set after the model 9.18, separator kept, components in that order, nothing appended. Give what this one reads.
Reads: 1.57
